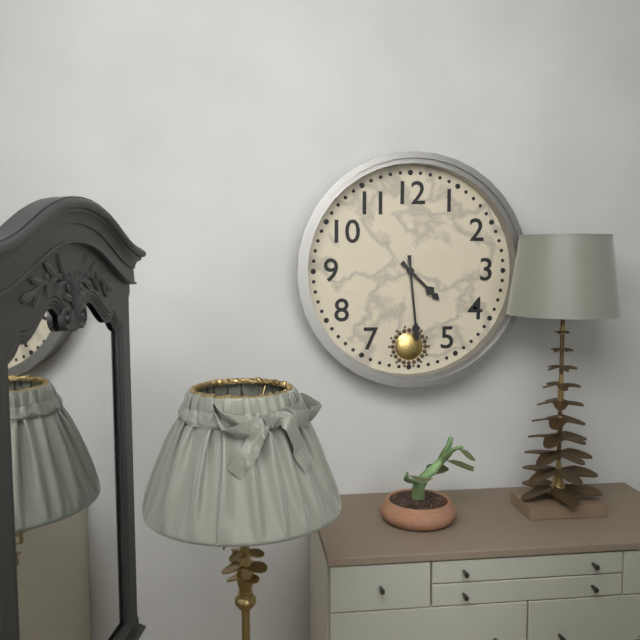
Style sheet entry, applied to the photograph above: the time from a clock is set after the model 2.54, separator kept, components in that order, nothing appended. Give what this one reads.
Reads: 4.29
